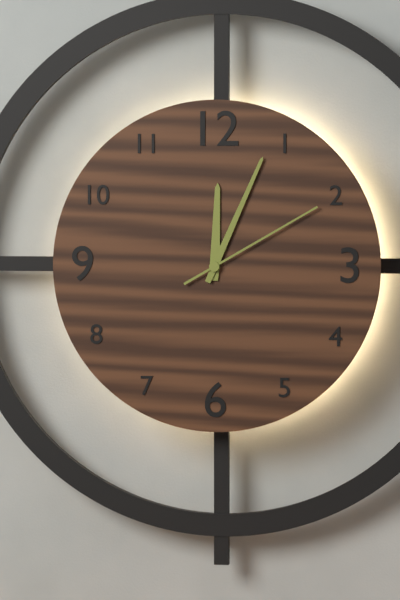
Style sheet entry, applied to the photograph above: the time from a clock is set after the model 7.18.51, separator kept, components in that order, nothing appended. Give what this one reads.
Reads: 12.04.10
